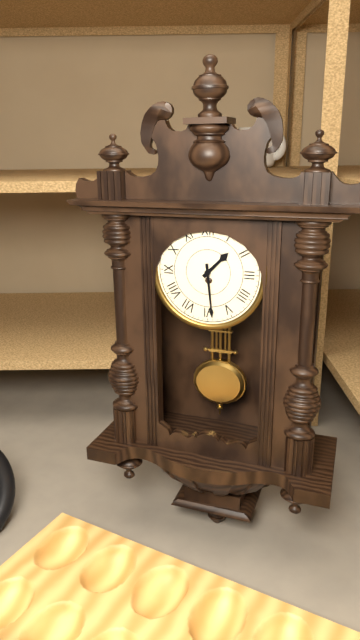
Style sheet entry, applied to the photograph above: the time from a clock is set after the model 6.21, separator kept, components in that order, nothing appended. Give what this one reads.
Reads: 1.29
